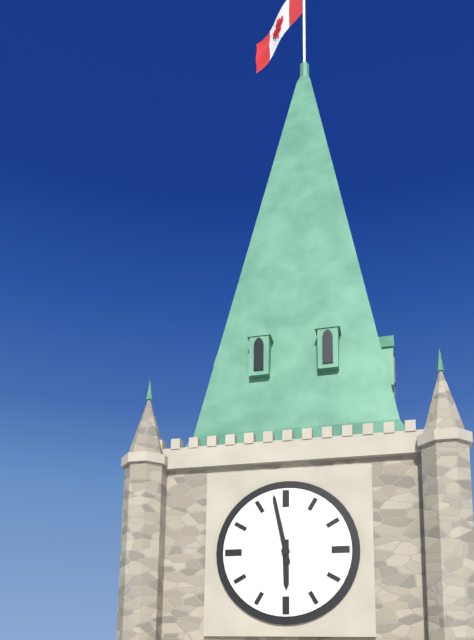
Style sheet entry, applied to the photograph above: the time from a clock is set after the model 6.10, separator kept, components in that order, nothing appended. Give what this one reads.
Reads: 5.58
